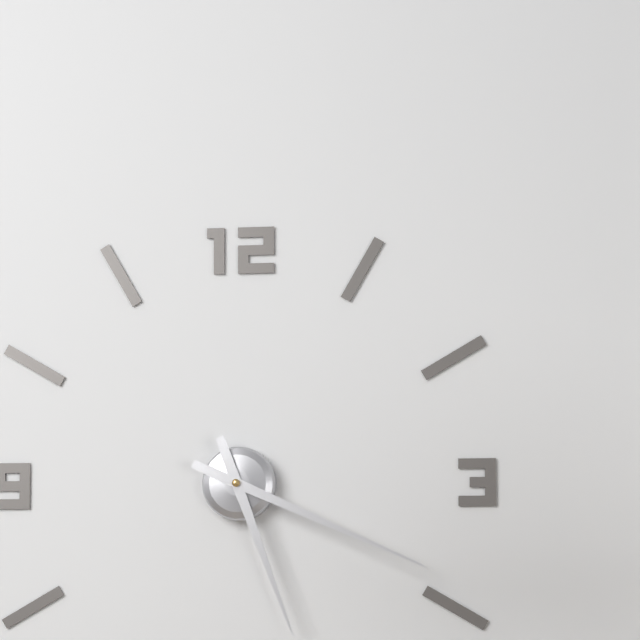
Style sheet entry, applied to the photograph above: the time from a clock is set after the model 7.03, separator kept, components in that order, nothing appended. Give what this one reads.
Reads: 5.19
